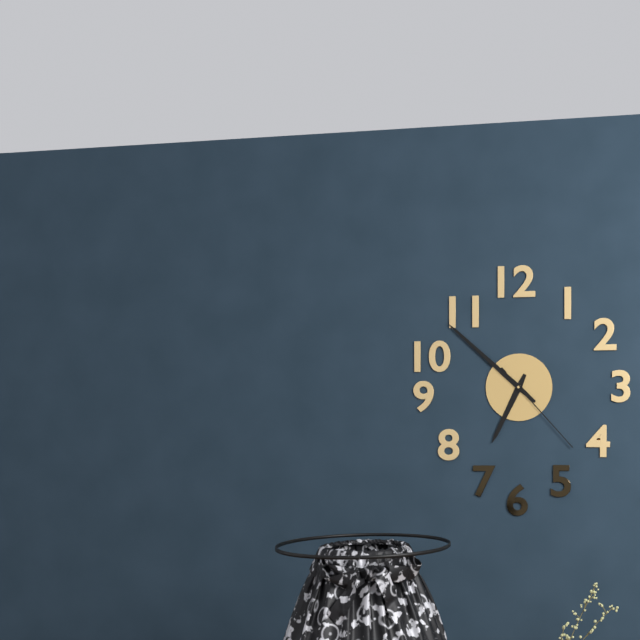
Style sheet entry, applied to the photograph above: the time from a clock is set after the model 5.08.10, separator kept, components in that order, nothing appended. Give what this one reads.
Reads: 6.52.23
